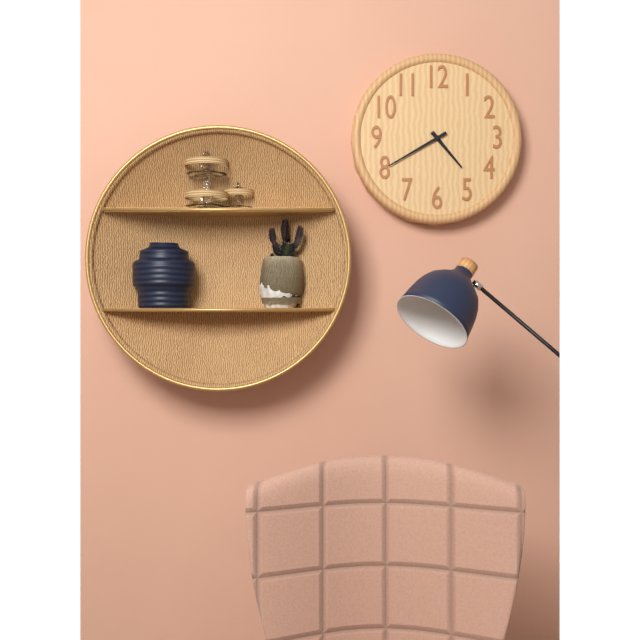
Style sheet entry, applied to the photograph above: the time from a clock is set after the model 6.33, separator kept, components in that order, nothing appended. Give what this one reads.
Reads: 4.40
